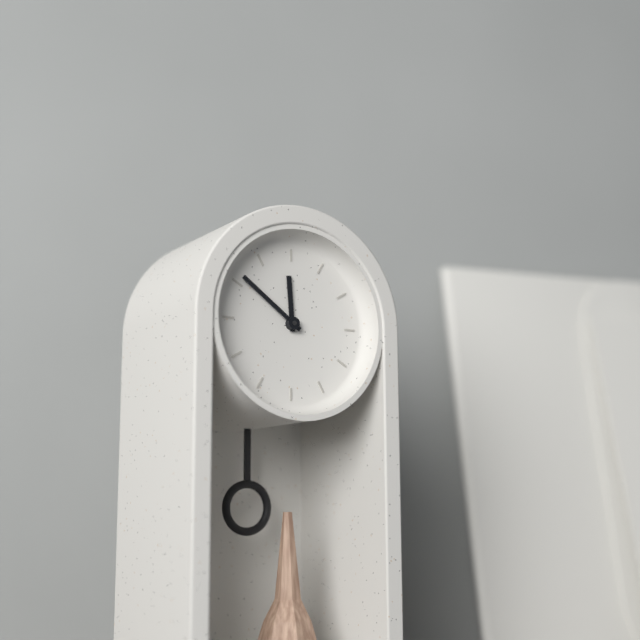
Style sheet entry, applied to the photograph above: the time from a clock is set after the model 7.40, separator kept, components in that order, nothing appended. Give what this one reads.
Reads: 11.51
